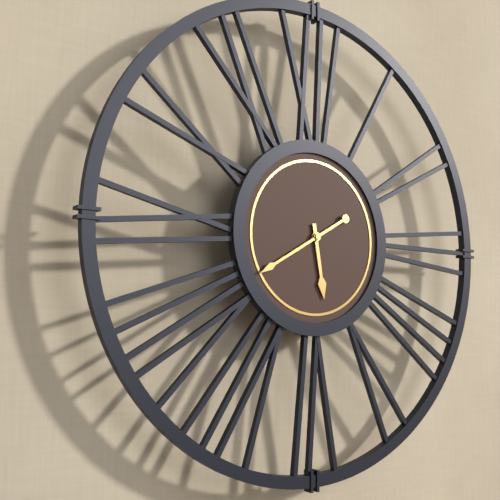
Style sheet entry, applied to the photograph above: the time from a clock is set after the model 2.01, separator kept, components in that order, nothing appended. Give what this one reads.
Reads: 5.40
